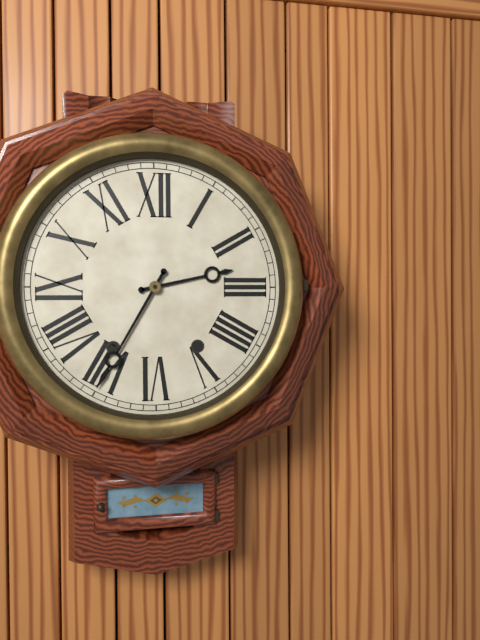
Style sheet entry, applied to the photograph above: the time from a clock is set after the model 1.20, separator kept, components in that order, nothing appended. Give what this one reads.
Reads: 2.35
